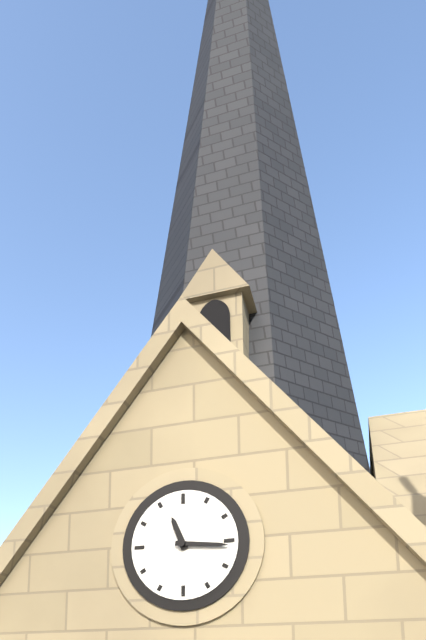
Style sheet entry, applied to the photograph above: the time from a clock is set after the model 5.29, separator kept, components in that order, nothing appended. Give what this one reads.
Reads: 11.16
